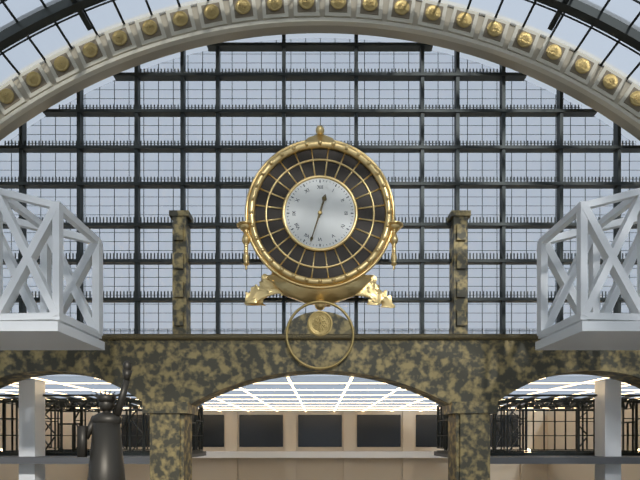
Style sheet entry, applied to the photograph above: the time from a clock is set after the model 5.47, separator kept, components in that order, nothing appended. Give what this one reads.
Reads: 12.33
